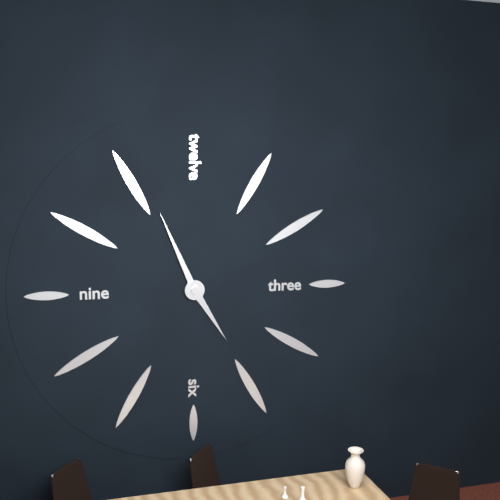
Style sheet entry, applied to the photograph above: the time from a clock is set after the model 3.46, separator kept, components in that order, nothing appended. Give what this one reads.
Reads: 4.56
